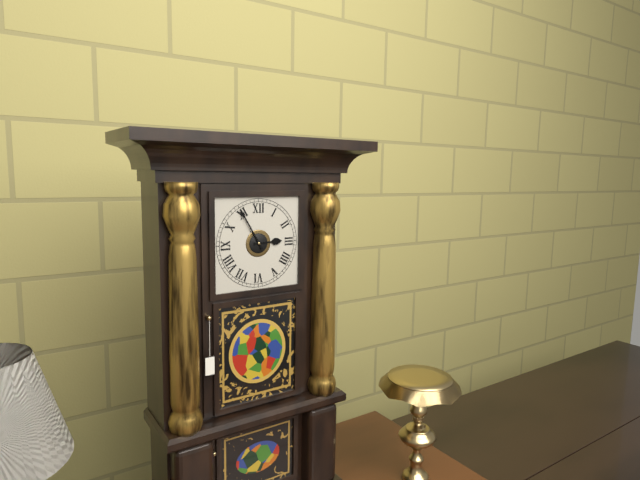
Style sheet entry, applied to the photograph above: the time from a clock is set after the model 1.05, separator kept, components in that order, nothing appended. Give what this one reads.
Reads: 2.55
